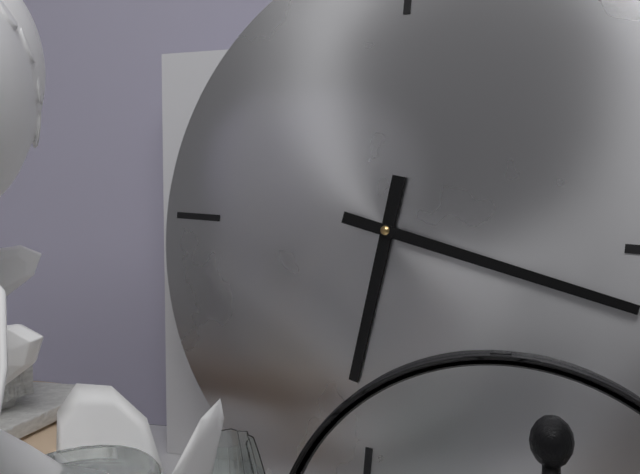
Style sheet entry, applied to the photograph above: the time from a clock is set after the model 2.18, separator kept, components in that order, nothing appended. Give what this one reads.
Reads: 6.17
